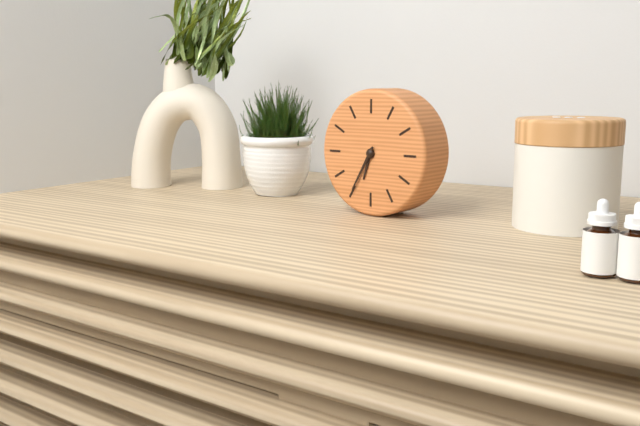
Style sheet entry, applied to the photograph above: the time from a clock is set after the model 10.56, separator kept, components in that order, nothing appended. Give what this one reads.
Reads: 6.35
